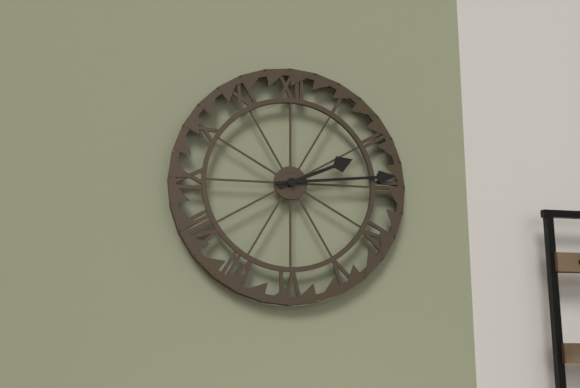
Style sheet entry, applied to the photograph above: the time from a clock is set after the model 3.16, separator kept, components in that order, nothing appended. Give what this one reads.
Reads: 2.14
